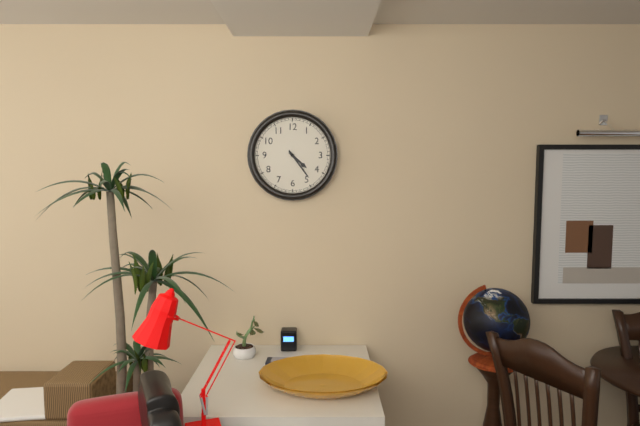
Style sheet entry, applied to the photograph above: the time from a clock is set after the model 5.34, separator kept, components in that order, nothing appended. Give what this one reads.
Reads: 4.24
